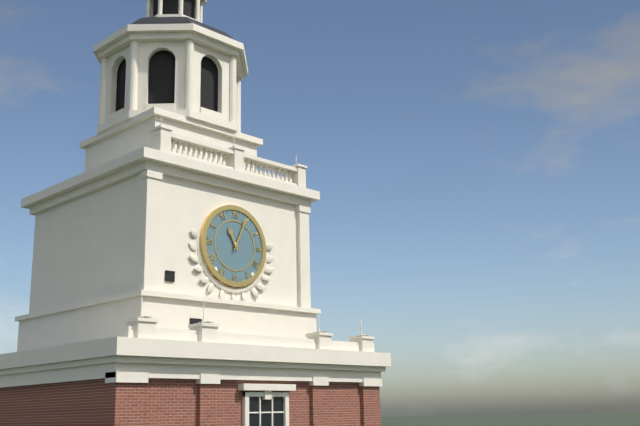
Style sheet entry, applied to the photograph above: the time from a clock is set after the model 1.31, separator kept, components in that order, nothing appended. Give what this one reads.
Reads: 11.04
